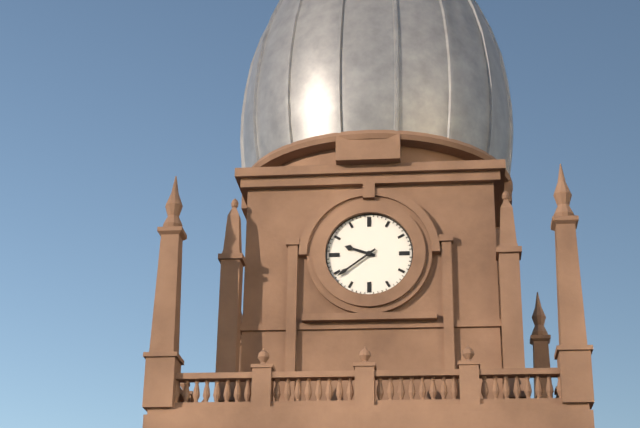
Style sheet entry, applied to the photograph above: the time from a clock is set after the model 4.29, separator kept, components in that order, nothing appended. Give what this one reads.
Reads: 9.39
